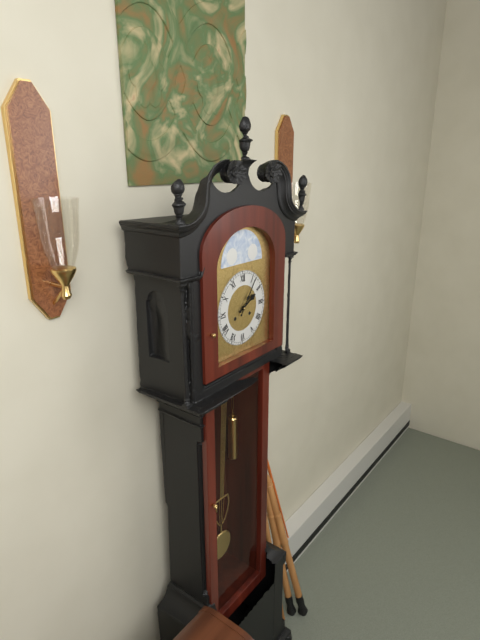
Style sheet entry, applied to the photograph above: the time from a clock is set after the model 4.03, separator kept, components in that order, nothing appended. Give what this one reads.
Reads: 2.06
